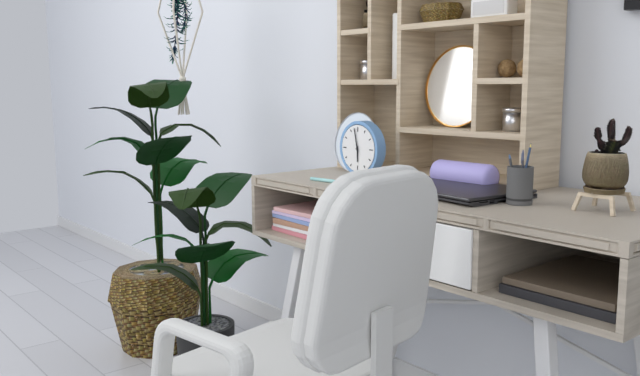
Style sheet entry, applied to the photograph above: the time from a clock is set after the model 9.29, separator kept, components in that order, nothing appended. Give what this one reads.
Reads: 5.58
